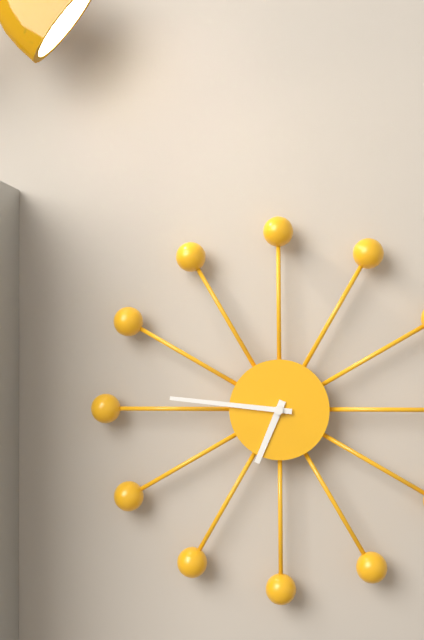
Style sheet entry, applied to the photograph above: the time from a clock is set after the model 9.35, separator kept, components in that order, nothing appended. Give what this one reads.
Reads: 6.46
